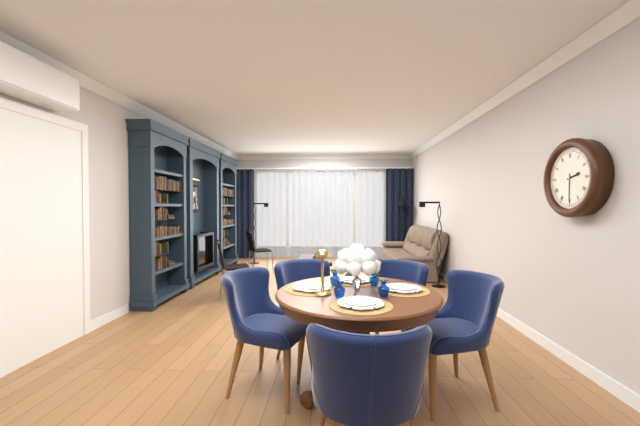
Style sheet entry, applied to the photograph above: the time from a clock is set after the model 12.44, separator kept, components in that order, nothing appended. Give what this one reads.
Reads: 2.30
